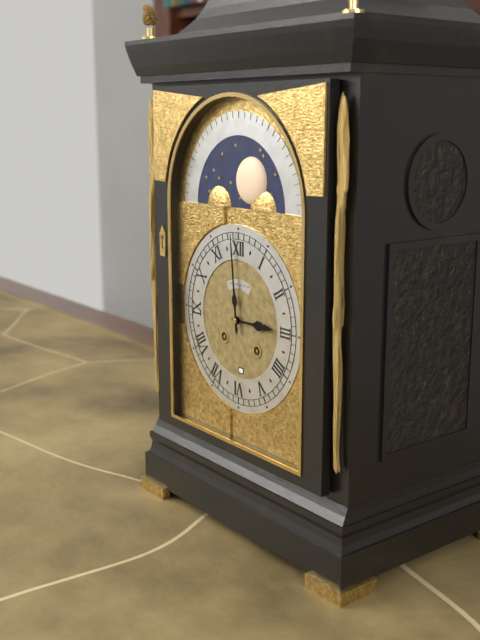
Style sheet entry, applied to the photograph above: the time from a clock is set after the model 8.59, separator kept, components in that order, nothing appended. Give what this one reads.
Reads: 2.59
